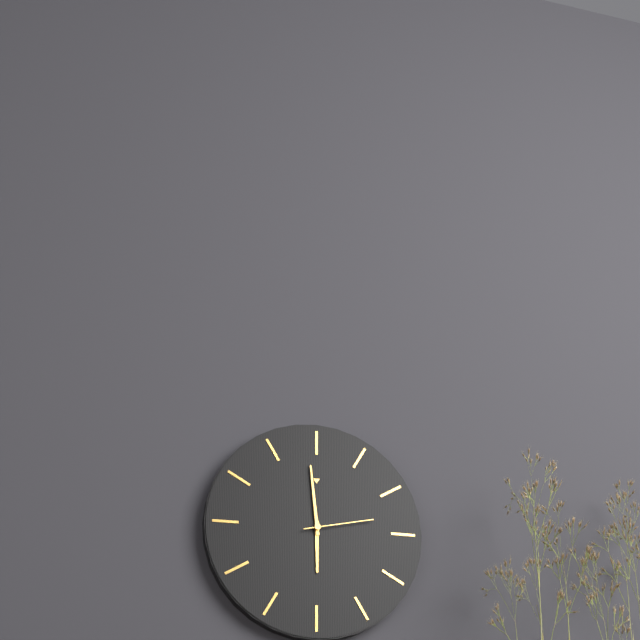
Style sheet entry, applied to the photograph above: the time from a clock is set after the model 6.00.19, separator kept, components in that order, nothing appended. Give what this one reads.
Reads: 5.59.13
